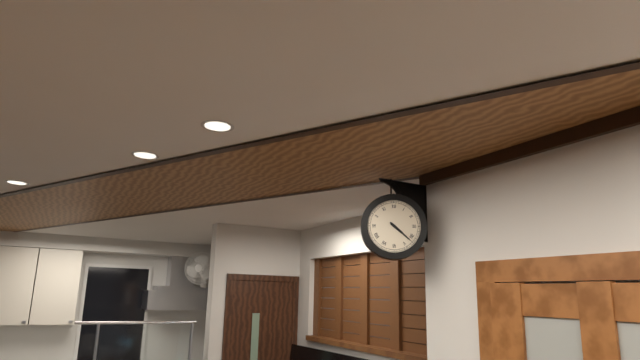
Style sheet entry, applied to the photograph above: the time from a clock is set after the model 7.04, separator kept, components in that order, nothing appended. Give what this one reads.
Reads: 4.22
